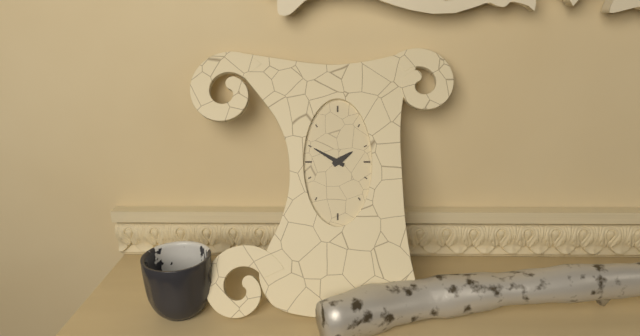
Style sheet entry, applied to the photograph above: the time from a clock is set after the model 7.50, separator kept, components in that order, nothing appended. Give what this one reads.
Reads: 1.50
